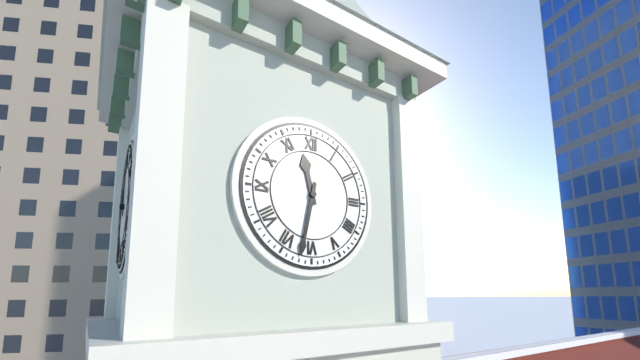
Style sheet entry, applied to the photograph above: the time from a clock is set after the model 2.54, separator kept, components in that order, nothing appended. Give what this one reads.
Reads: 11.32
